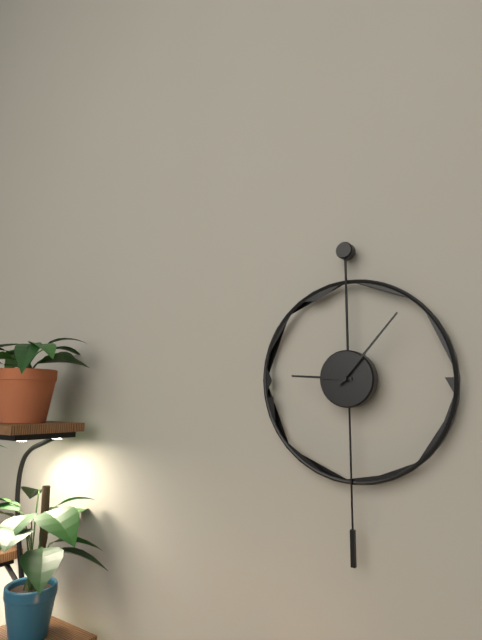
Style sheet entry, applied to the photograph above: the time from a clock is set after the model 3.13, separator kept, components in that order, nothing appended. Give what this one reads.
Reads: 9.07
